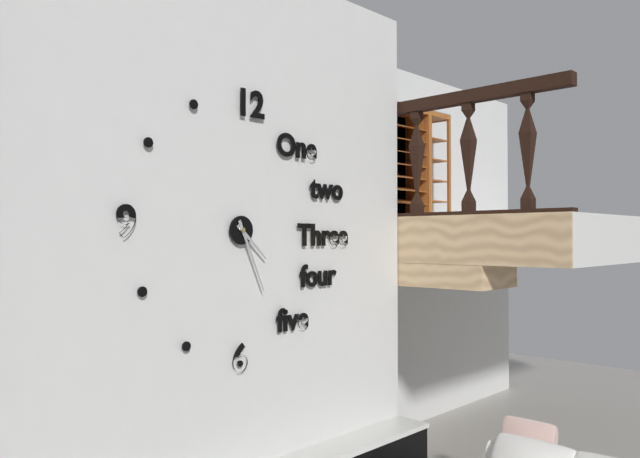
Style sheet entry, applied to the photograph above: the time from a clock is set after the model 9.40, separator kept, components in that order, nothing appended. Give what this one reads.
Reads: 4.26
